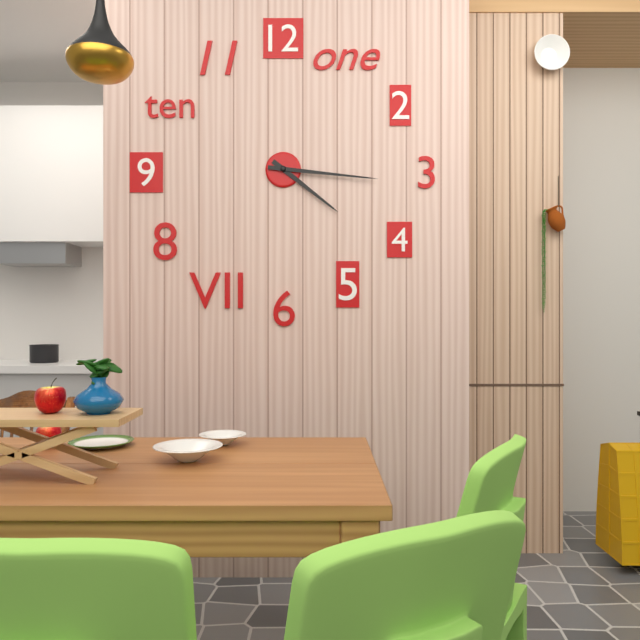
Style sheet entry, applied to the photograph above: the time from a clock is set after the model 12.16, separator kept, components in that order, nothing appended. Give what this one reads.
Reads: 4.16
